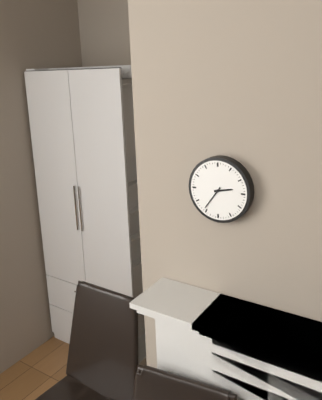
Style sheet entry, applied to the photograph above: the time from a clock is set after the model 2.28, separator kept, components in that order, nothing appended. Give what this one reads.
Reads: 2.36
